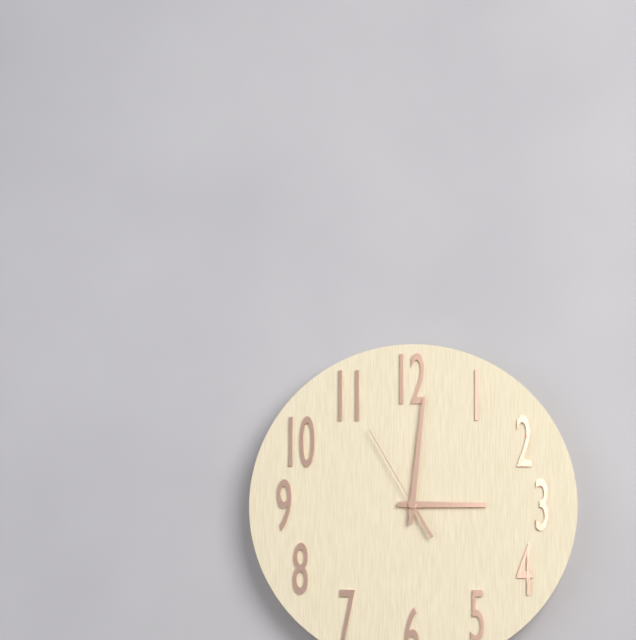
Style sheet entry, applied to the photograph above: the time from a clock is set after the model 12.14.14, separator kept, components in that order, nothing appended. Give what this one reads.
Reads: 3.01.55
